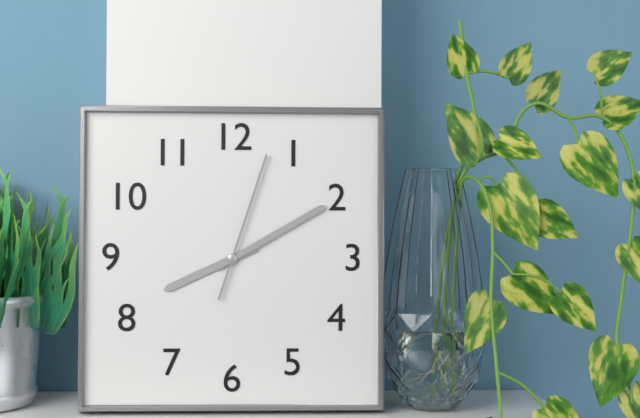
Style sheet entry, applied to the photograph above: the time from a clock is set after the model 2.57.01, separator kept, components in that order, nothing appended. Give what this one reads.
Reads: 8.10.03
